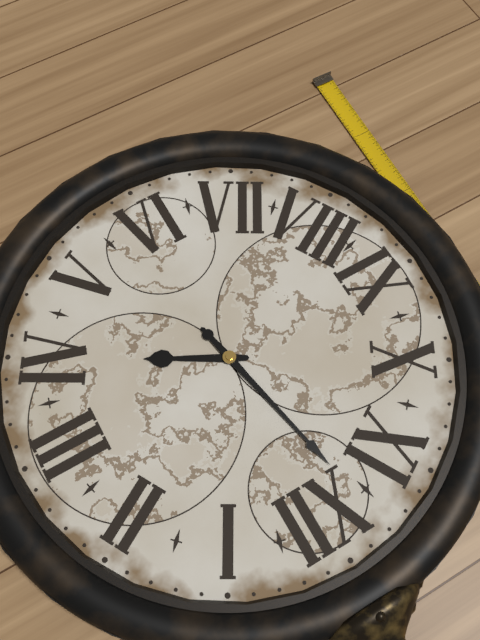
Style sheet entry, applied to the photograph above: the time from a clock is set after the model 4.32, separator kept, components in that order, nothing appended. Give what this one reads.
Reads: 3.58
